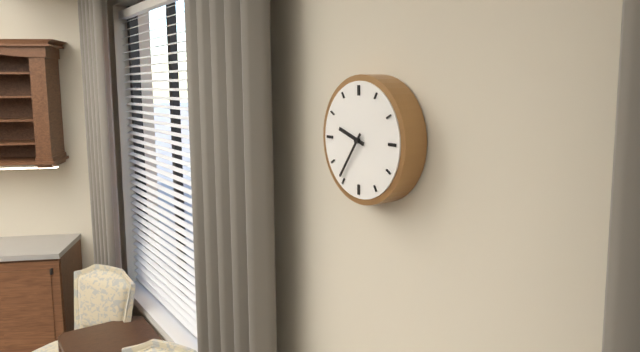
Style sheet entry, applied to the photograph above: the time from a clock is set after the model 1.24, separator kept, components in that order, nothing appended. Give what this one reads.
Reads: 9.36
